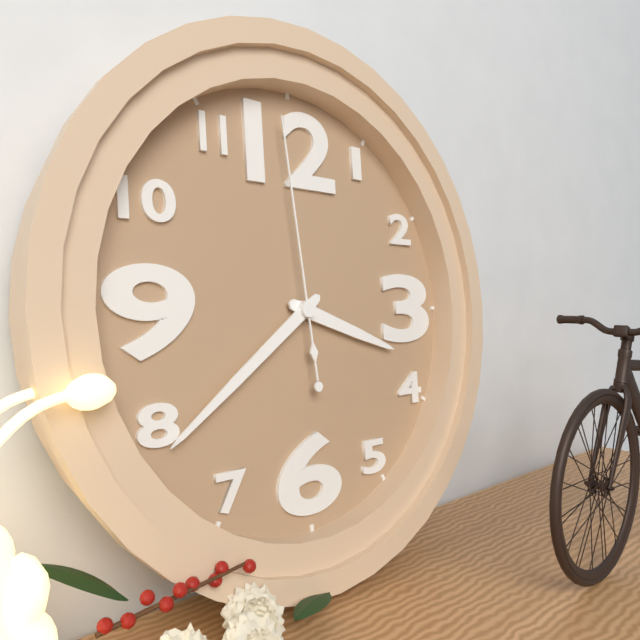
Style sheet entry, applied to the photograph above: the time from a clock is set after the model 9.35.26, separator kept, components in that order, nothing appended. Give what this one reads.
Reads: 3.39.59
